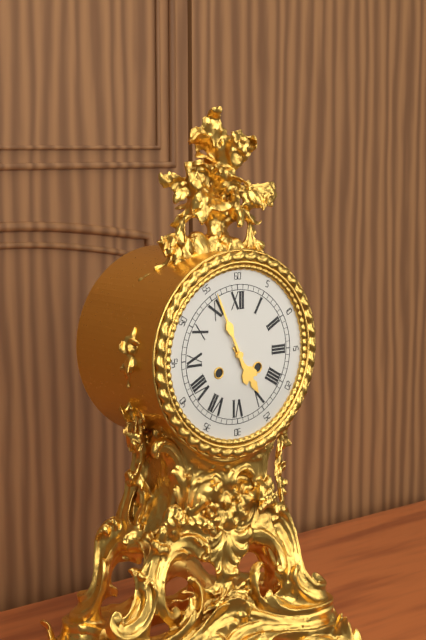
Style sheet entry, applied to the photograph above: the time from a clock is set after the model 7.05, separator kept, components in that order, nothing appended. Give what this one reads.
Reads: 4.56
